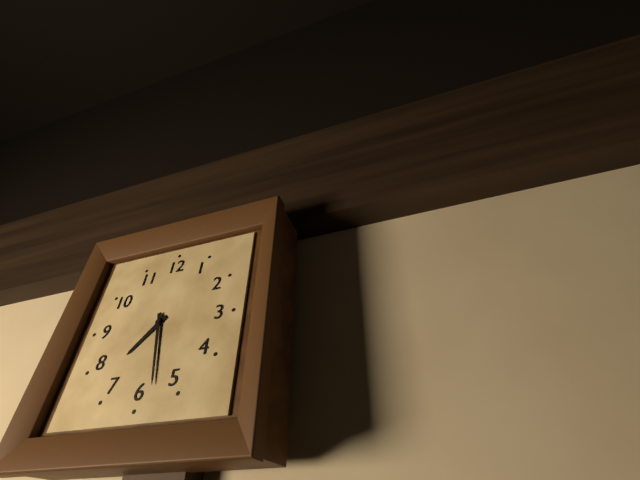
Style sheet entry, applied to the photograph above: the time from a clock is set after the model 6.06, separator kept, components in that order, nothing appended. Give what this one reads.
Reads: 7.28
